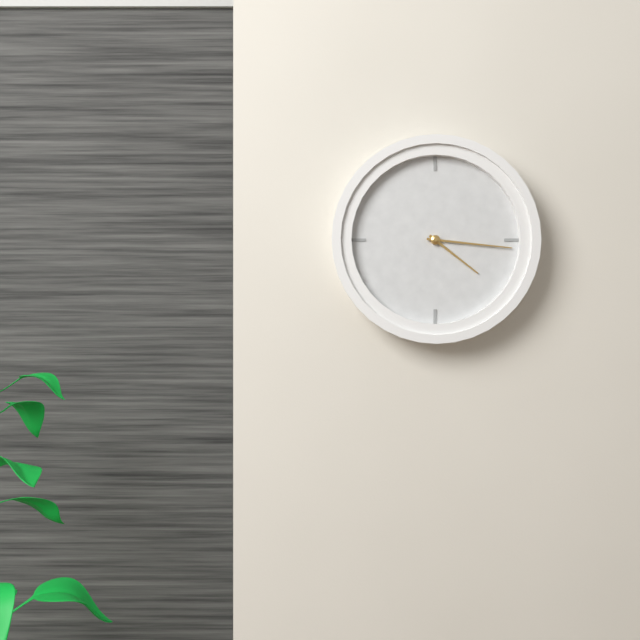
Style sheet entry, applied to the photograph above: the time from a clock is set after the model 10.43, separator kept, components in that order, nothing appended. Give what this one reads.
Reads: 4.16
